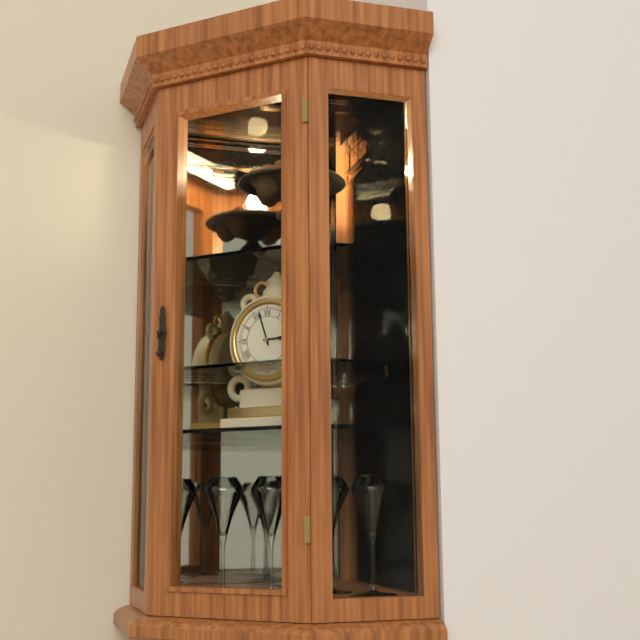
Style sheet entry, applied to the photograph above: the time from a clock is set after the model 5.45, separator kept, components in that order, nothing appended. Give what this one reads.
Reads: 2.57
